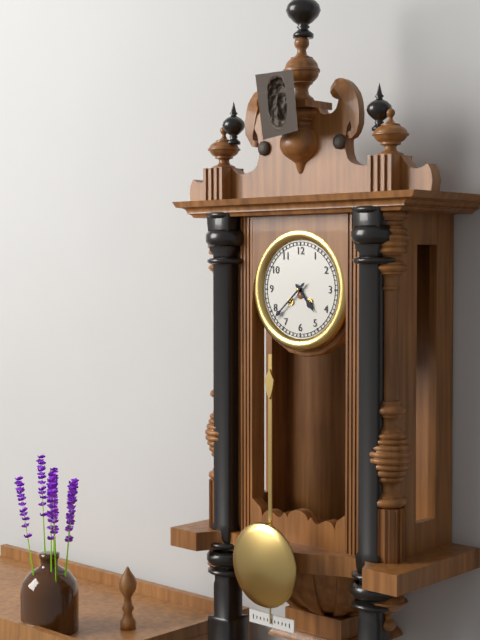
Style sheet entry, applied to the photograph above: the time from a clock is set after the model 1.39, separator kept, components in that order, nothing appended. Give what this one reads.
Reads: 4.38
